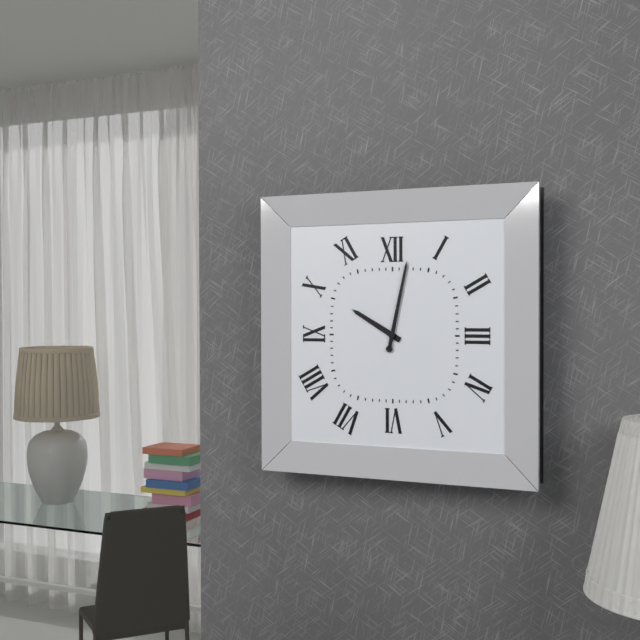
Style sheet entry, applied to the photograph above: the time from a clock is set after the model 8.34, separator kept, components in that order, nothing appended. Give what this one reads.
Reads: 10.02
